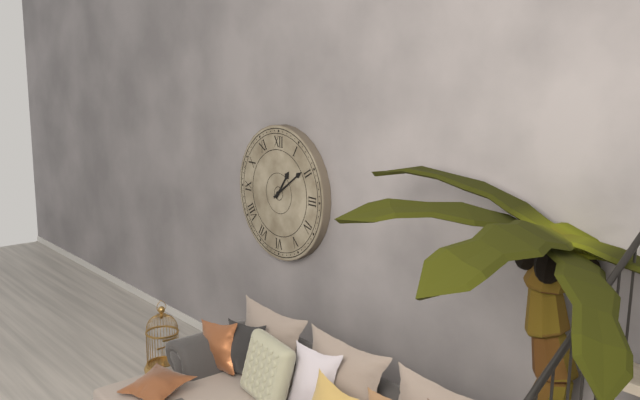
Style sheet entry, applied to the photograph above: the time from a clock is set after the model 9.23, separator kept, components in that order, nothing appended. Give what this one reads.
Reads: 1.09
